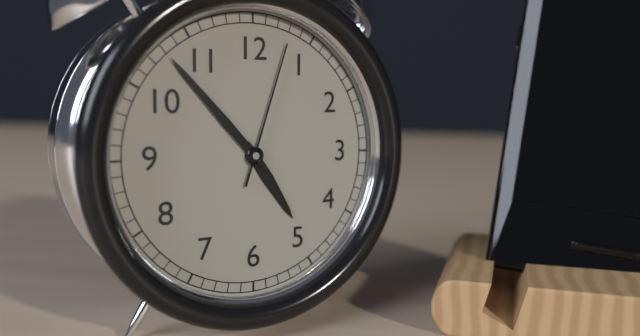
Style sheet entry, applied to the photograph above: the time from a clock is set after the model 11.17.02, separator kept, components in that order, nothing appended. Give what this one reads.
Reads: 4.53.03
